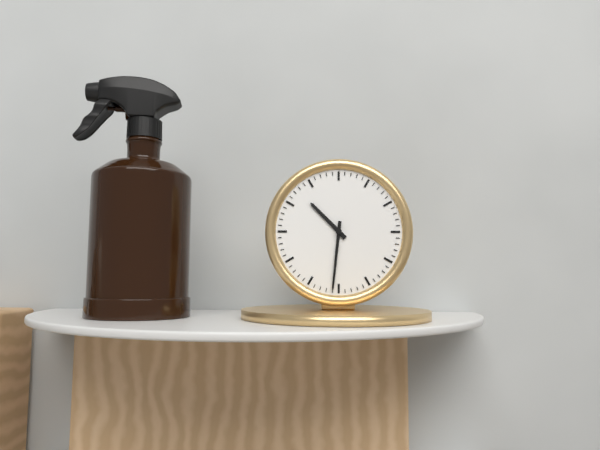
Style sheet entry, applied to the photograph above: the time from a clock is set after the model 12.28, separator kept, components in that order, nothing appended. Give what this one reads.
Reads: 10.31
